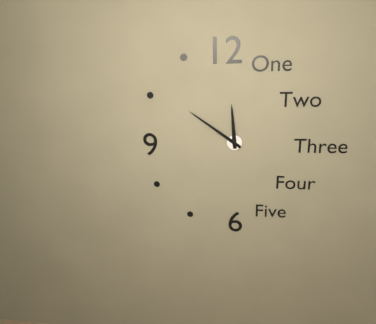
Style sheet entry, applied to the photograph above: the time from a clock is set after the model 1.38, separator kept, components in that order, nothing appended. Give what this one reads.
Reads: 11.51
